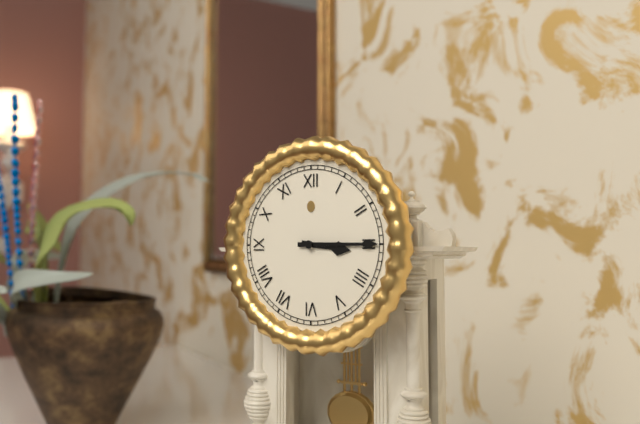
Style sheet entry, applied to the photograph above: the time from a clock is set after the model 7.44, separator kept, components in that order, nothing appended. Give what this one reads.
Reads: 3.15
